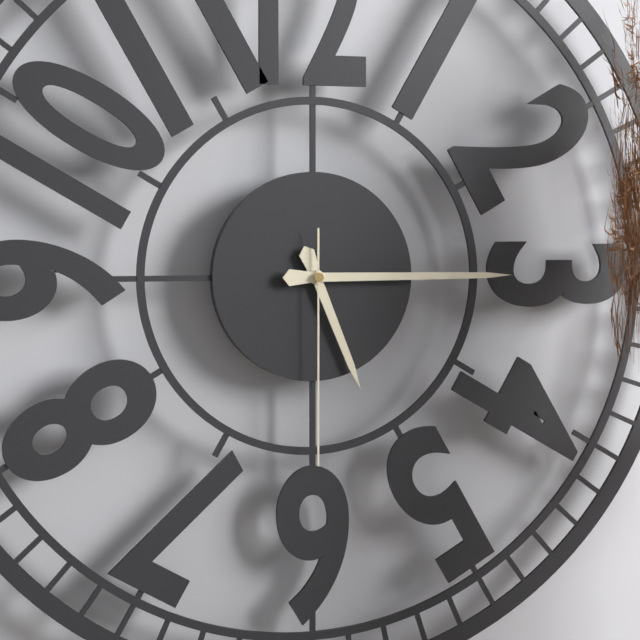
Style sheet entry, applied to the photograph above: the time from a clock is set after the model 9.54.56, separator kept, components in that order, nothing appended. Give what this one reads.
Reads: 5.15.30
